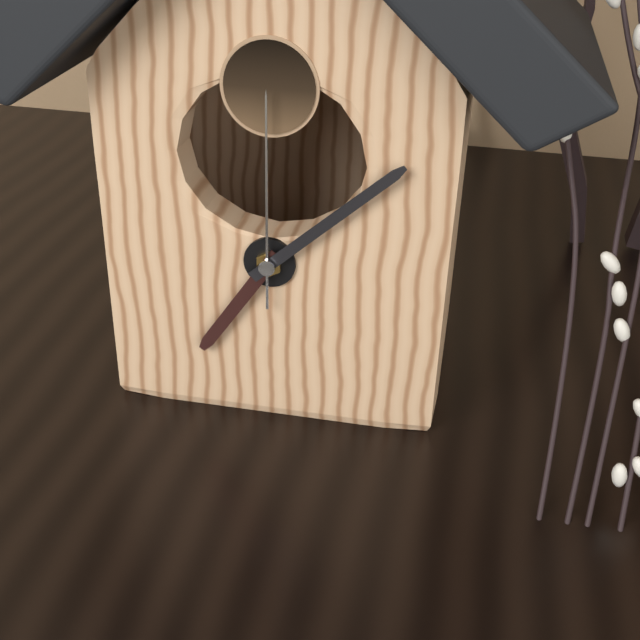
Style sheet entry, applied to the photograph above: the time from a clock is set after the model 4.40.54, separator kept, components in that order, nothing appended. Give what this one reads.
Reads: 7.08.00
